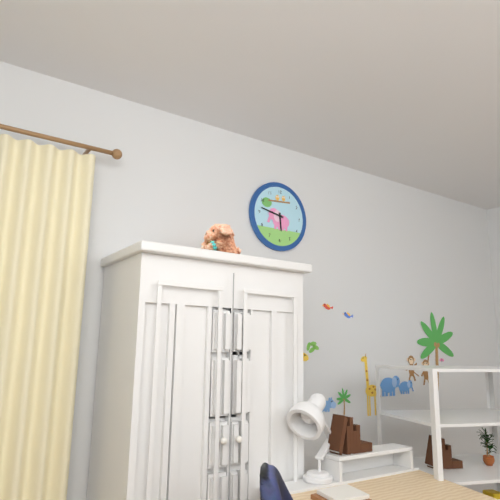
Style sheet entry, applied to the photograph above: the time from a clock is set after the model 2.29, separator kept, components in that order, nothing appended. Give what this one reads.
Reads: 5.47
